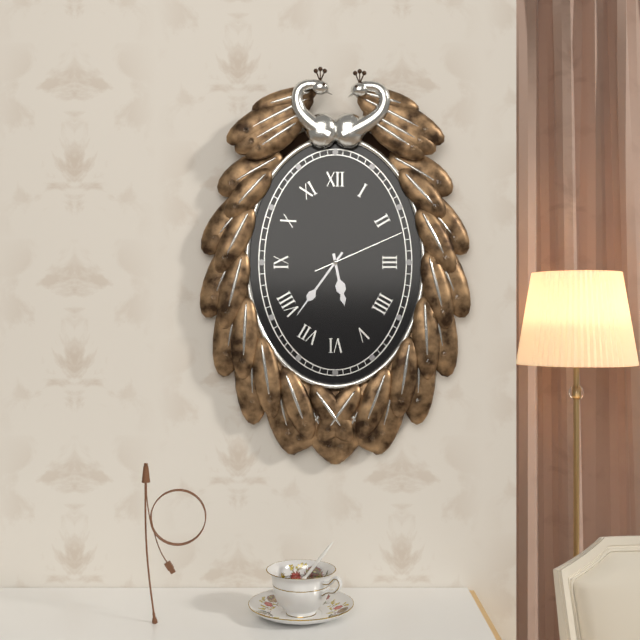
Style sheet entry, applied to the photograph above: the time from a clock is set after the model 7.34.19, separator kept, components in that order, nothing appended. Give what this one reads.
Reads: 5.36.11
